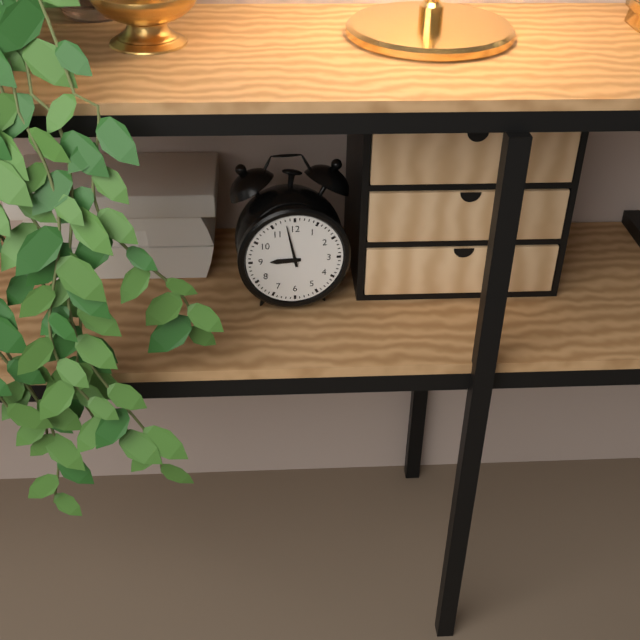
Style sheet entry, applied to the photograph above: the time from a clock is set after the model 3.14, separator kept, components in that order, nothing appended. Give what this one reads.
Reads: 8.58
